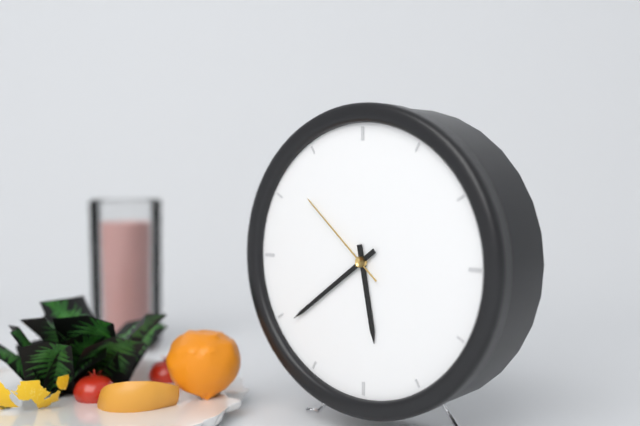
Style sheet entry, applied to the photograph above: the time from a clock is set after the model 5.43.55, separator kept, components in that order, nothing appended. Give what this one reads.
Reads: 5.39.52
